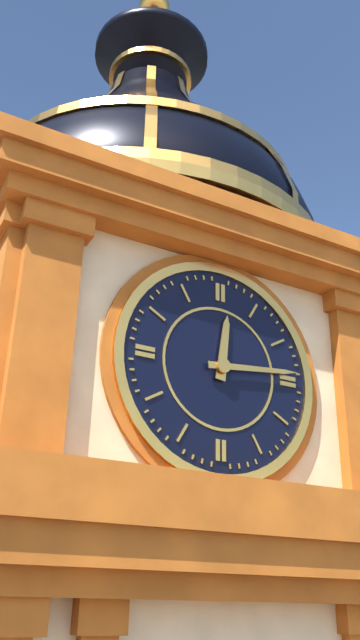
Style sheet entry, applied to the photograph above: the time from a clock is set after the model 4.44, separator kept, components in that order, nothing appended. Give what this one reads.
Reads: 12.14
